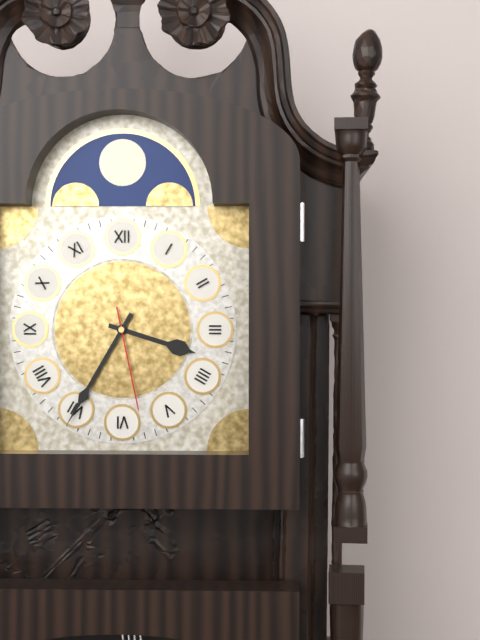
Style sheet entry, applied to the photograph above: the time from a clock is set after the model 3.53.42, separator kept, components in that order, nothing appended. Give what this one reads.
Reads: 3.35.28
